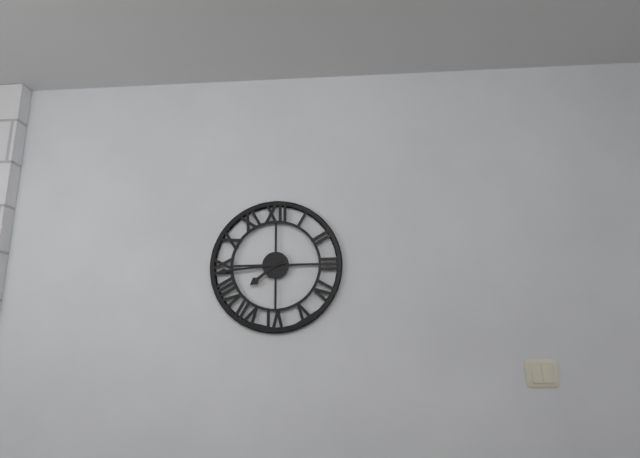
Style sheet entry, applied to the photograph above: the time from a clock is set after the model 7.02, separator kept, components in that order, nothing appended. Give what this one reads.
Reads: 7.44
